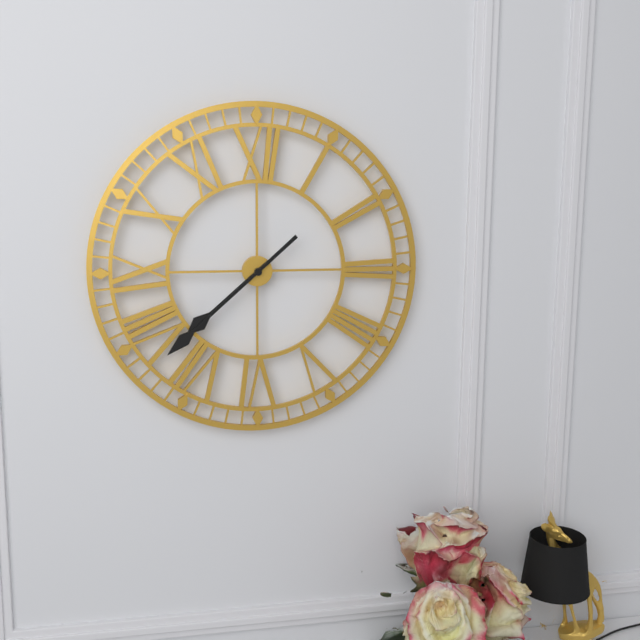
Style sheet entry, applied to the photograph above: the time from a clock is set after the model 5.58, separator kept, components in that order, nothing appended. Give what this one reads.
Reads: 7.38
